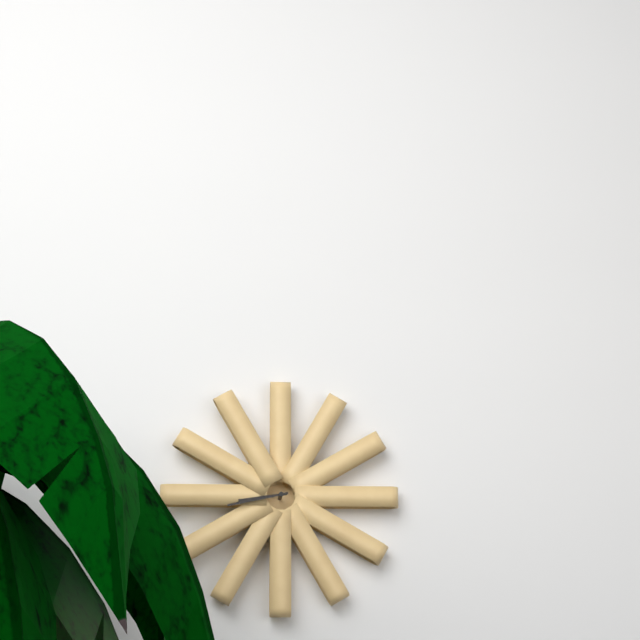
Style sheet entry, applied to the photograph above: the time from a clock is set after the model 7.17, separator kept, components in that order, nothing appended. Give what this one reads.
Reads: 8.43
